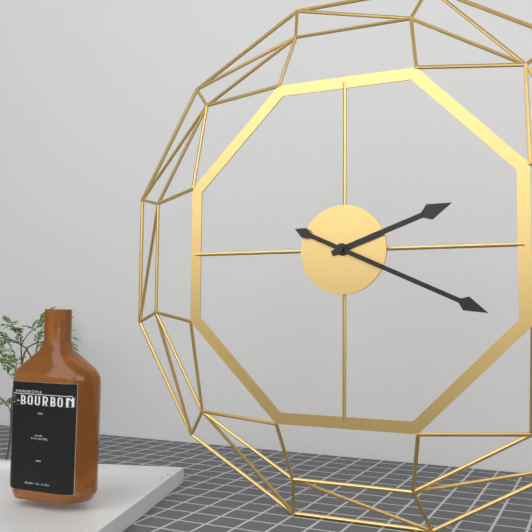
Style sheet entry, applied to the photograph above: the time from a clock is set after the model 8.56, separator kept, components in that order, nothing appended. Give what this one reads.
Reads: 2.19
